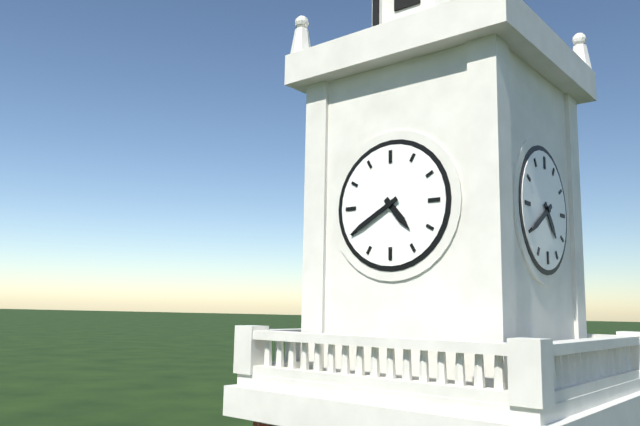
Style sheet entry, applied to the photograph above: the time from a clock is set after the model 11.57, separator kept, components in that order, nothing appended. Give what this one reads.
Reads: 4.40
